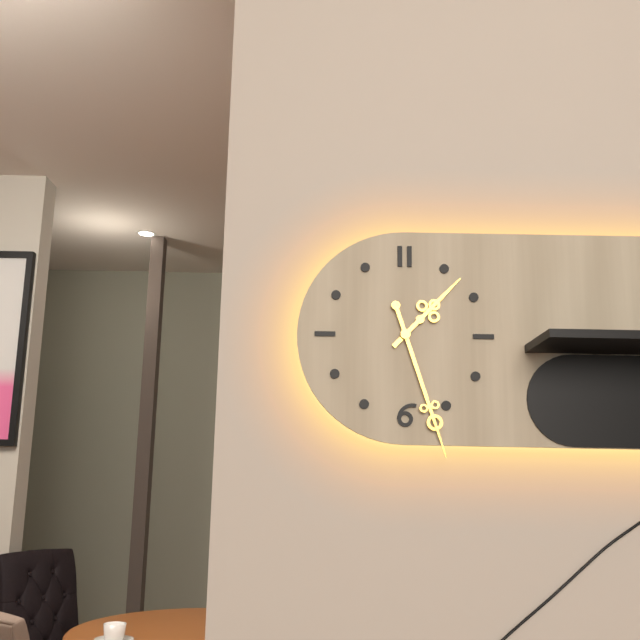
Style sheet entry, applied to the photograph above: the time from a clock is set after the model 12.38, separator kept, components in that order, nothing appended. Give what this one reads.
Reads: 1.27
